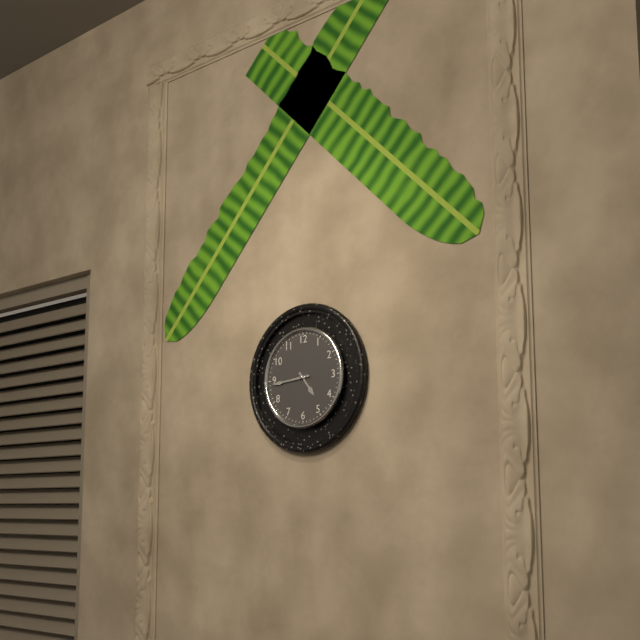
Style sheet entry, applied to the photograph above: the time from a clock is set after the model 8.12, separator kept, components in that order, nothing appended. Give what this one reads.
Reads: 4.44
